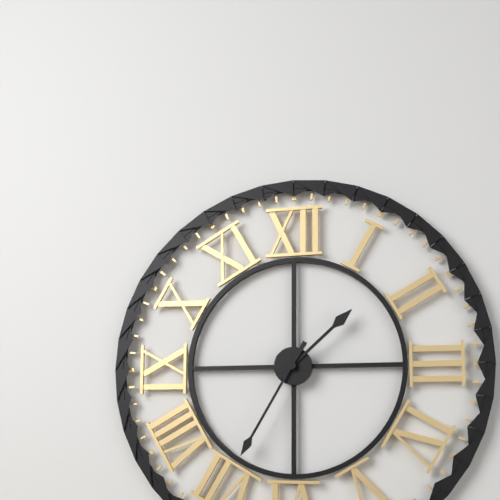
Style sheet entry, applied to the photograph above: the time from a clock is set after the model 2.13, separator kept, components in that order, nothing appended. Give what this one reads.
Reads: 1.35
